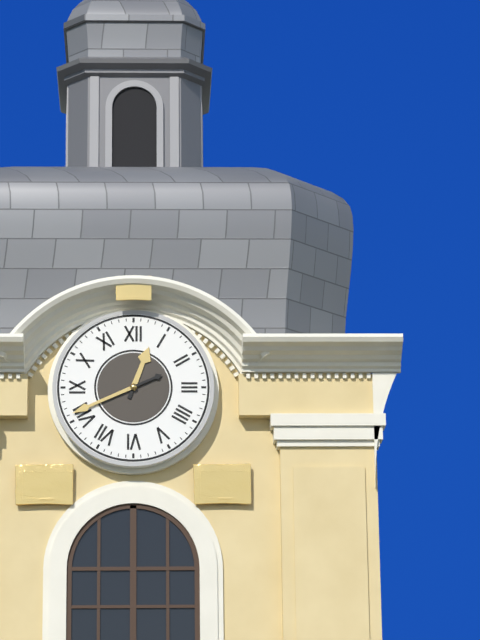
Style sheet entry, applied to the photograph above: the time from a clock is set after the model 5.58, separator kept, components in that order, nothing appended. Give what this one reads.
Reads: 12.41
